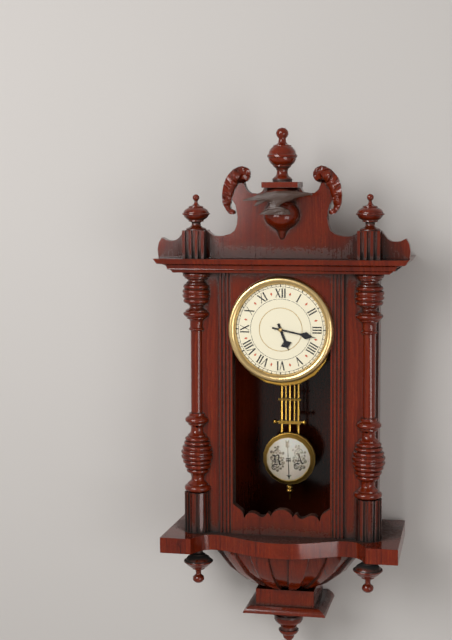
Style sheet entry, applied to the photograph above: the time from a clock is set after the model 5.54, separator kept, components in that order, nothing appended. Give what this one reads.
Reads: 5.17
